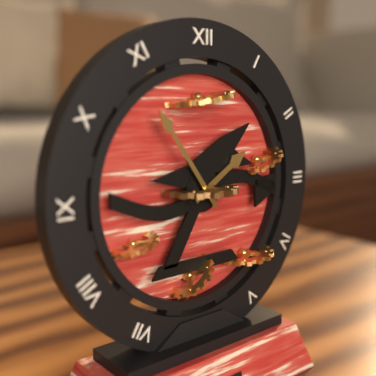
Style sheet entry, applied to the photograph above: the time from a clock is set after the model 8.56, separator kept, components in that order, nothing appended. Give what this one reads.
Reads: 1.54
